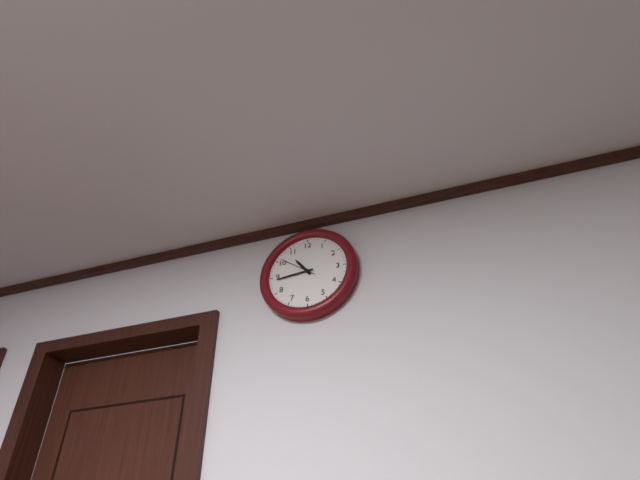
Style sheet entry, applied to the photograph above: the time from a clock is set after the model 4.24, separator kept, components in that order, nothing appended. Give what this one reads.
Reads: 10.44
